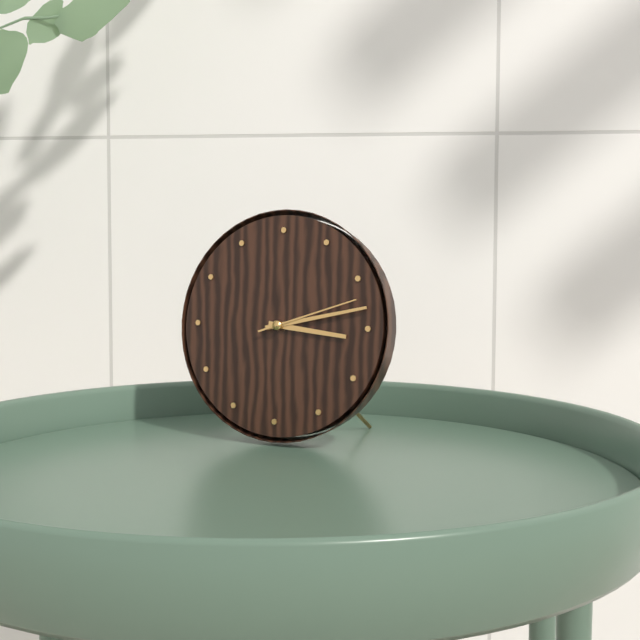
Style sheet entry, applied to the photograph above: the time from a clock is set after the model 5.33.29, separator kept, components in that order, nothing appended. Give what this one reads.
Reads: 3.13.12
